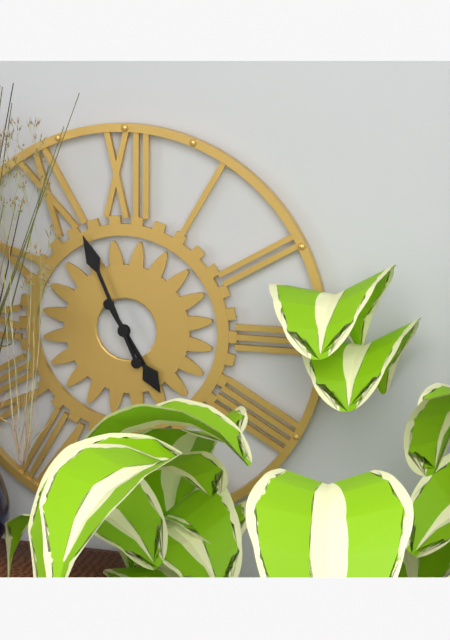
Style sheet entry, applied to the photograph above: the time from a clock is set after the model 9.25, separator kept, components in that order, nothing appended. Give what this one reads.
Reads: 4.56
